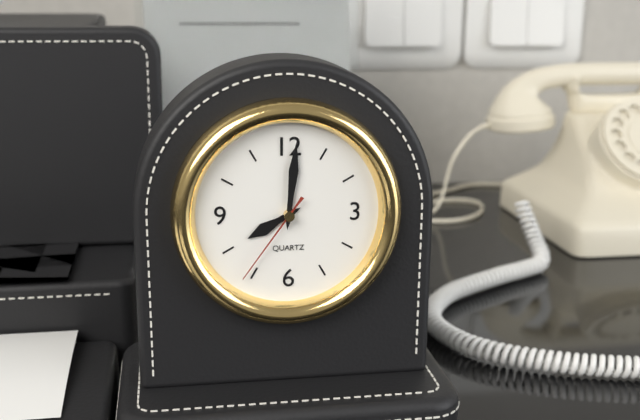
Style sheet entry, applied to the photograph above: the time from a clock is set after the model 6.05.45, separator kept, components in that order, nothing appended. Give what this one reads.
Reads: 8.01.36
